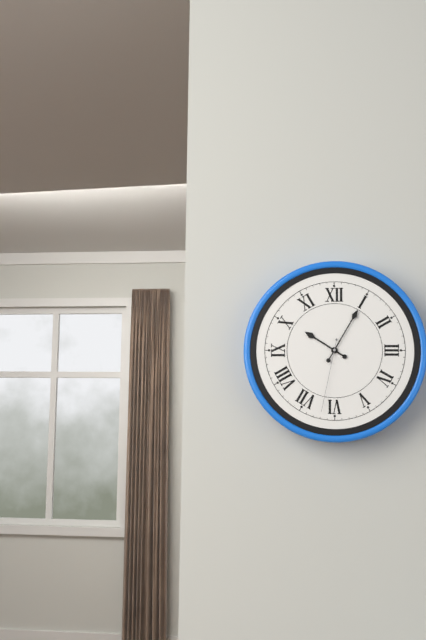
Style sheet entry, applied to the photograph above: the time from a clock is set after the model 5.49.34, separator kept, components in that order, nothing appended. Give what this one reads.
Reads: 10.05.32
